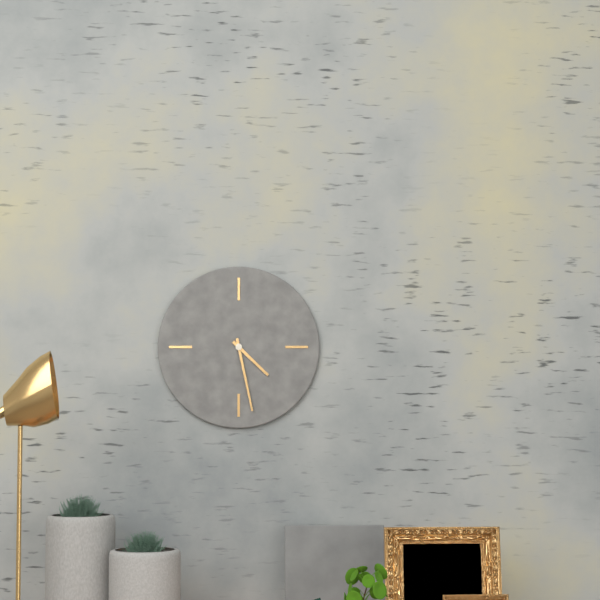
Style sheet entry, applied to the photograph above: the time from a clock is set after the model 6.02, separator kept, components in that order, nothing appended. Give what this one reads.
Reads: 4.28
